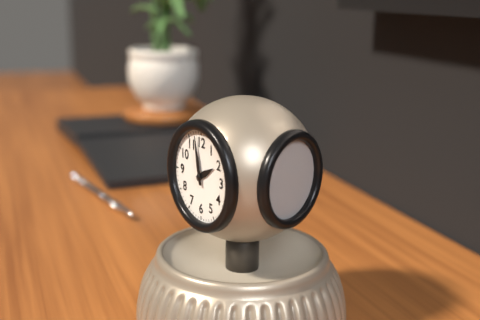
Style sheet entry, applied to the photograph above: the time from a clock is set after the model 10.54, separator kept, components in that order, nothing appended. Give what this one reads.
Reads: 1.58
